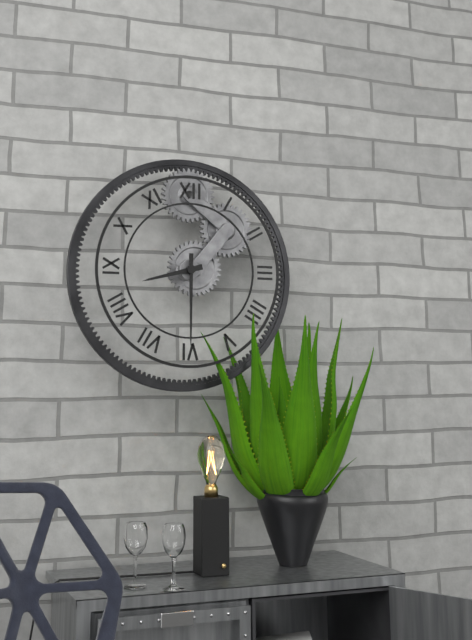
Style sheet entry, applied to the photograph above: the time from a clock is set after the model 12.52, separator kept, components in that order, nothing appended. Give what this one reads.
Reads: 8.30
